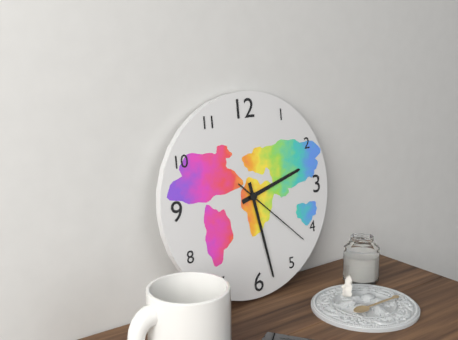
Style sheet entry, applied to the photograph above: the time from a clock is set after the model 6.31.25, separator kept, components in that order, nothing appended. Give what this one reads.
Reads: 2.28.22
